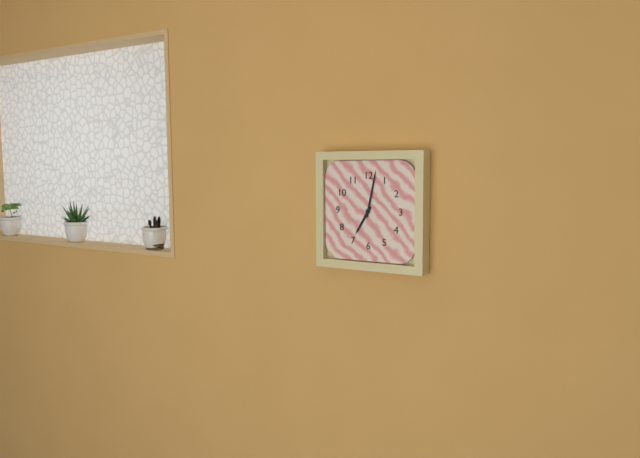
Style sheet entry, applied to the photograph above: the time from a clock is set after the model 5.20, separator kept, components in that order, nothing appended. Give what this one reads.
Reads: 7.02
